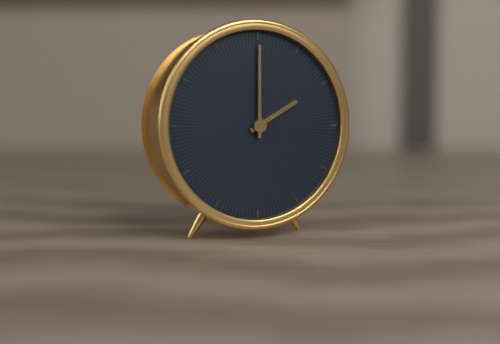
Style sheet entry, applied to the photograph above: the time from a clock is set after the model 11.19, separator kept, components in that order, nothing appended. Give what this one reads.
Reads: 2.00
